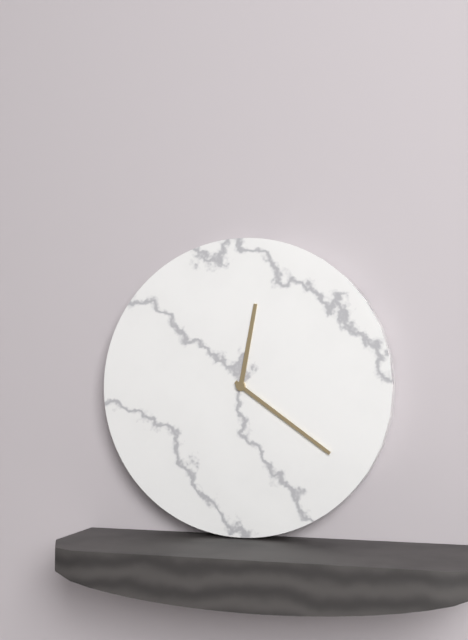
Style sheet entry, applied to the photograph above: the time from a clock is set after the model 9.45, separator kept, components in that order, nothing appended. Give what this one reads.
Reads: 12.21
